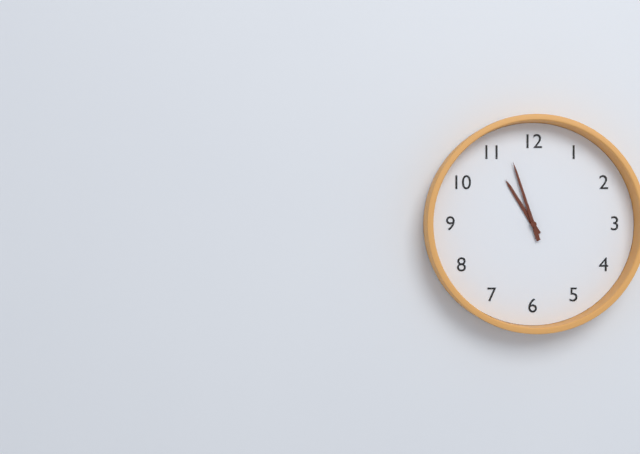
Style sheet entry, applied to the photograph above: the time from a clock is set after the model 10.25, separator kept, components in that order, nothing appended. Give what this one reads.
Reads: 10.57
